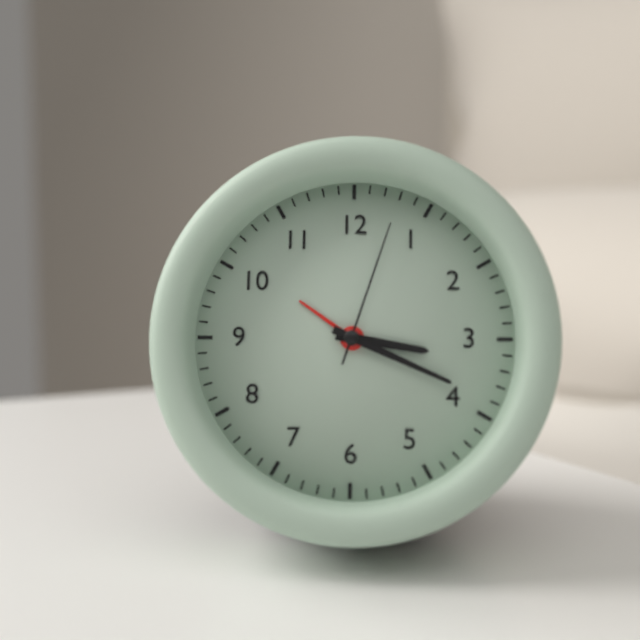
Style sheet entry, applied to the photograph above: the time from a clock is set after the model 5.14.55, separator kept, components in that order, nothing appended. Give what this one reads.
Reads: 3.19.03
